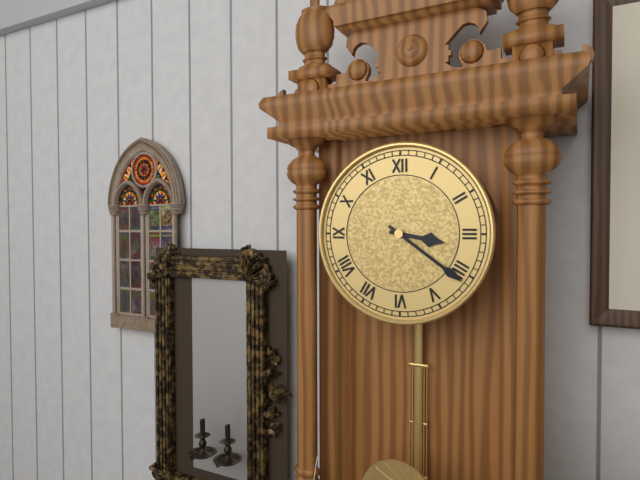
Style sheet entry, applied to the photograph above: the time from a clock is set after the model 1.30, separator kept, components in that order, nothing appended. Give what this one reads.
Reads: 3.21
